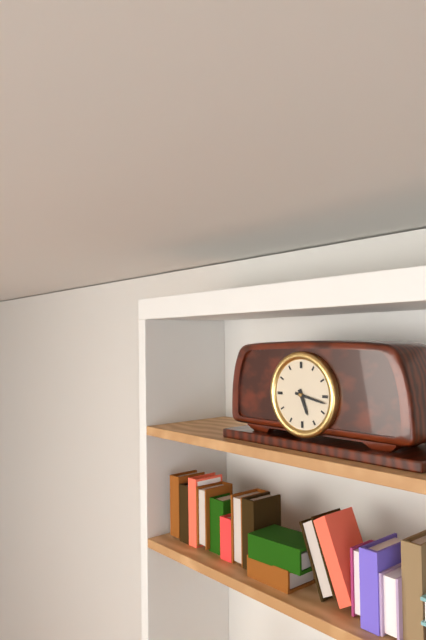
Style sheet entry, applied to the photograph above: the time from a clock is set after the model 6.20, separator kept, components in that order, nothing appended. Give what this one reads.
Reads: 5.17
